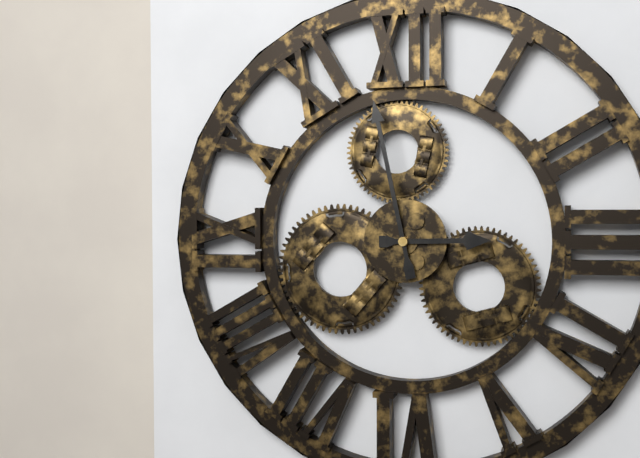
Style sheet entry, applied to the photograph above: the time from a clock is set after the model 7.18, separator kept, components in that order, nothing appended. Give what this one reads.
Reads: 2.58
